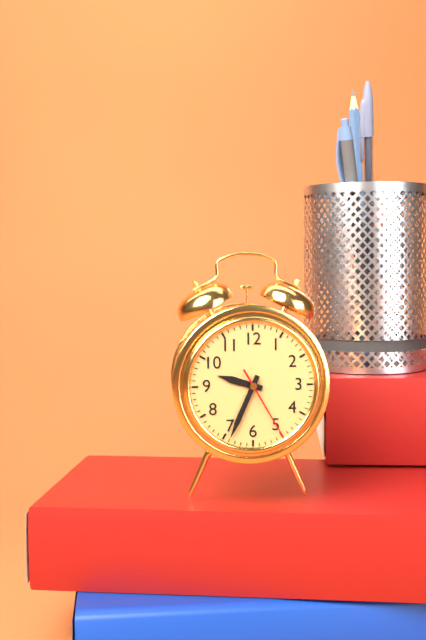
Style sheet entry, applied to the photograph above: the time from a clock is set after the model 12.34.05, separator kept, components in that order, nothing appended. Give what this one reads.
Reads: 9.34.25
